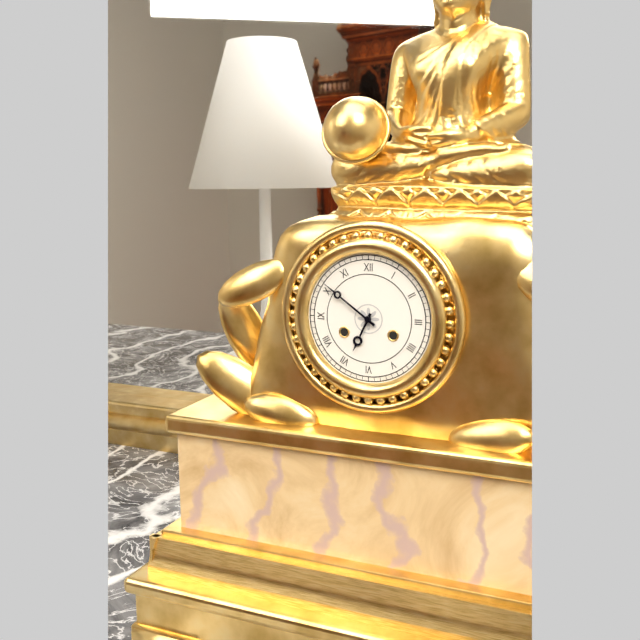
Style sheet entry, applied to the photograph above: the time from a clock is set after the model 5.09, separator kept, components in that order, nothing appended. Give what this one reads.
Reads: 6.51
